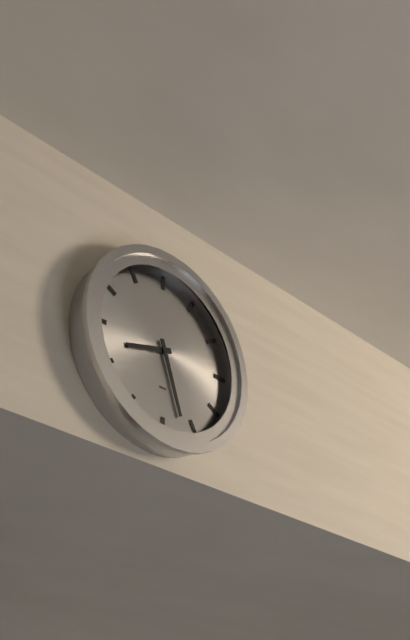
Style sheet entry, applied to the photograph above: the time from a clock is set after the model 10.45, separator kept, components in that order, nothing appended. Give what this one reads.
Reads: 8.27
